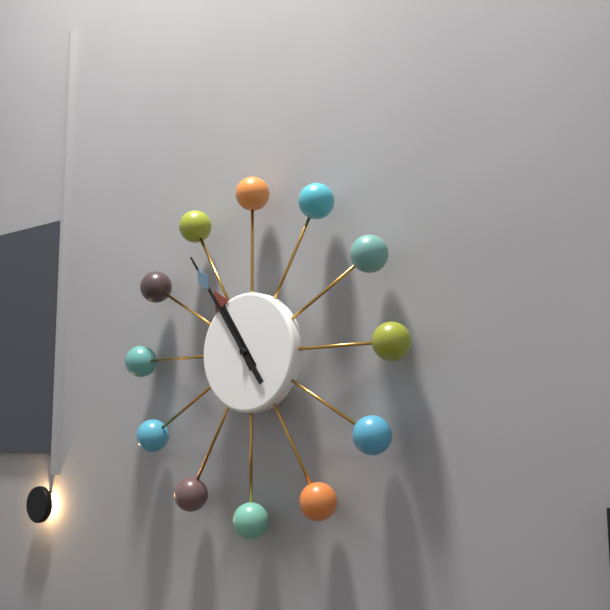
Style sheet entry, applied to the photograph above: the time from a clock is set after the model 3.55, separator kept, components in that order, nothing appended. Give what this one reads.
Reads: 10.54
